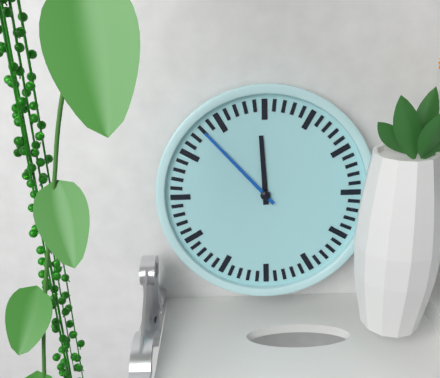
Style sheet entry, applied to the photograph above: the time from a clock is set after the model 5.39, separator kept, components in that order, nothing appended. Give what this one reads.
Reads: 11.53
